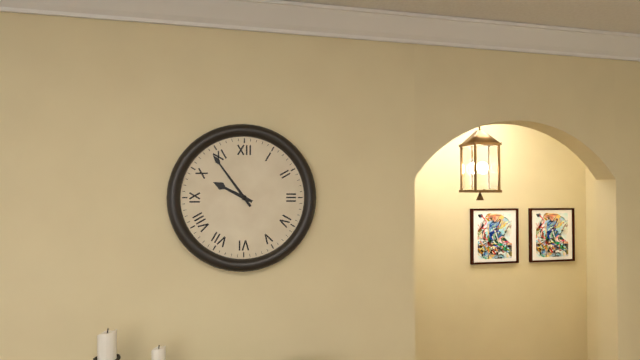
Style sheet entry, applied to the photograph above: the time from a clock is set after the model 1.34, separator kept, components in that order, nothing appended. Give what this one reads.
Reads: 9.54
